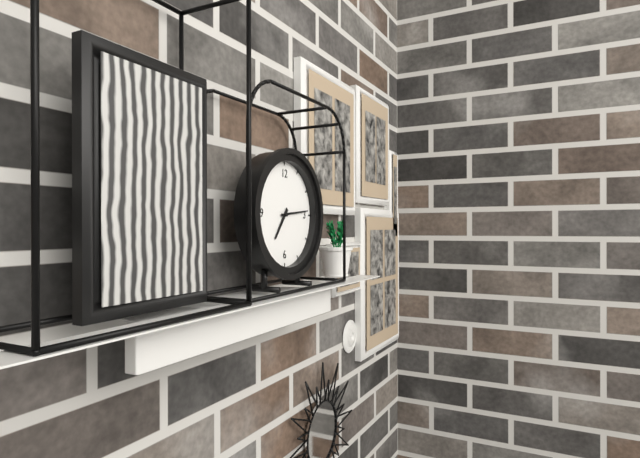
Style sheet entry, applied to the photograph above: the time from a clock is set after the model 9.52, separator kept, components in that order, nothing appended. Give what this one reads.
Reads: 7.14
